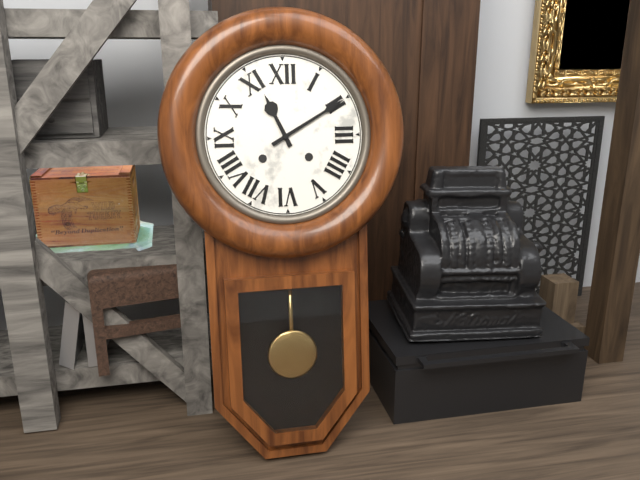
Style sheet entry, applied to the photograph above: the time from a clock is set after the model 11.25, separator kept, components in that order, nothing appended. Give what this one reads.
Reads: 11.10
